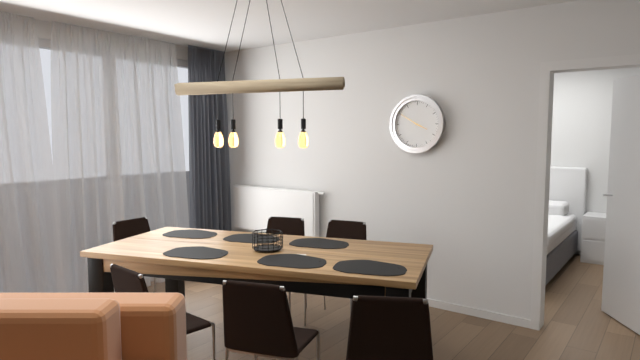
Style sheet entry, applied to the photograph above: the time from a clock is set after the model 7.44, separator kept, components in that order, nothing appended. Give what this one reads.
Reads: 3.50
